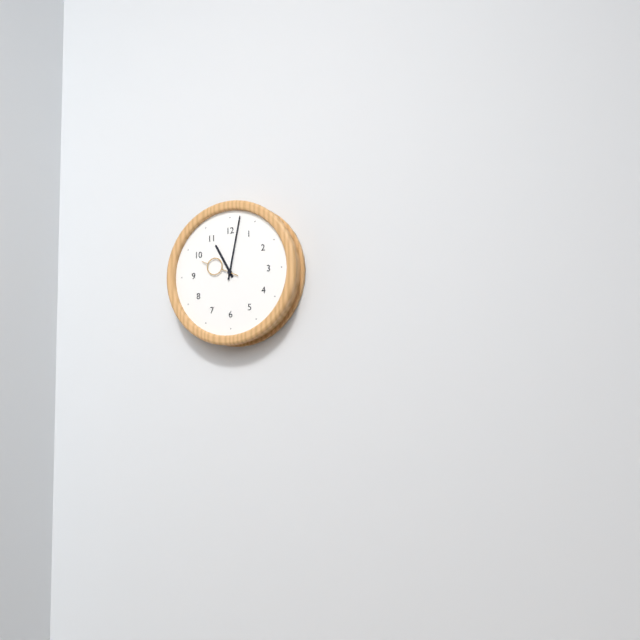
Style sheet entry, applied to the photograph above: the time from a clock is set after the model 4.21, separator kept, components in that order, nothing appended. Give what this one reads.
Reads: 11.02
